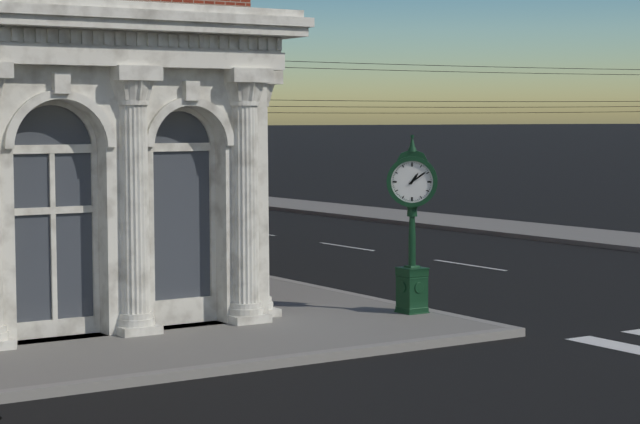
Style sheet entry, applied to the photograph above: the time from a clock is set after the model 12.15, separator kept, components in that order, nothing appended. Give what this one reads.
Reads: 1.09
